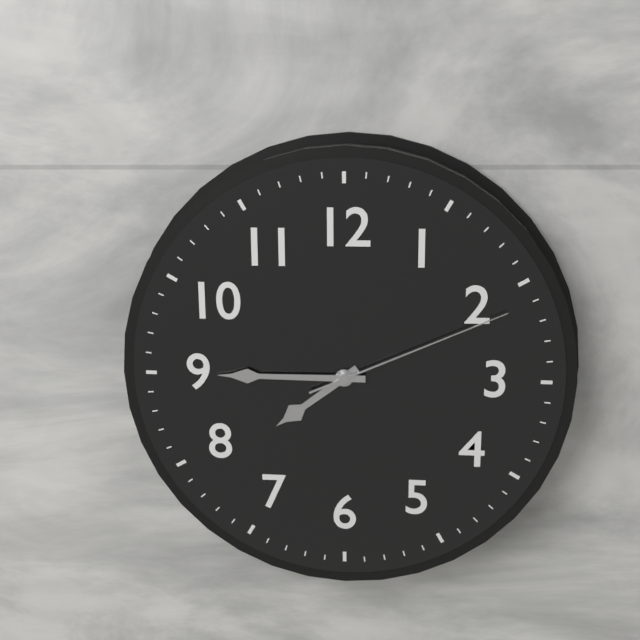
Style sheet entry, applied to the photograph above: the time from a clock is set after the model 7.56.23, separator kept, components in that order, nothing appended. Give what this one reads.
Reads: 7.45.11
